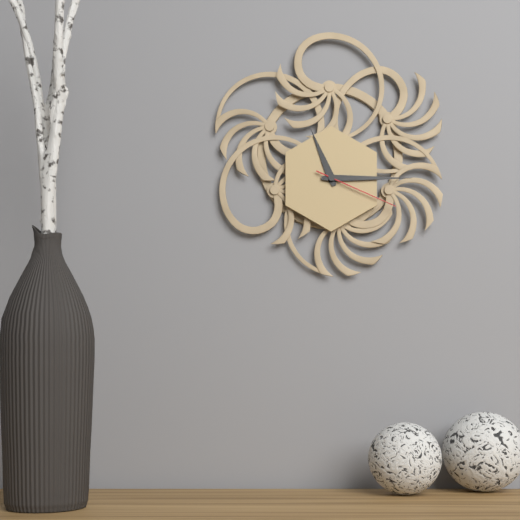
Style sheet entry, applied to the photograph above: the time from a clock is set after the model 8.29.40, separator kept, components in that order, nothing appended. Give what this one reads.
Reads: 11.15.19
